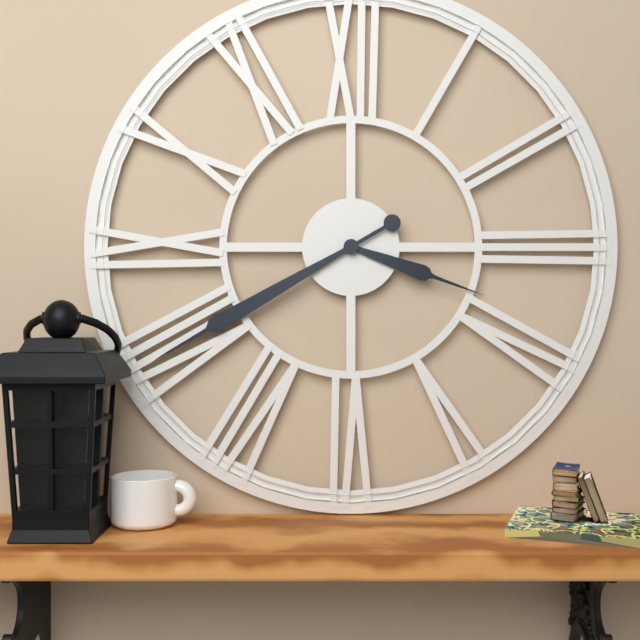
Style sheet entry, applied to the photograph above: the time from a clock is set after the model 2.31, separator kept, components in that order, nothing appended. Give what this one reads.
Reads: 3.40
